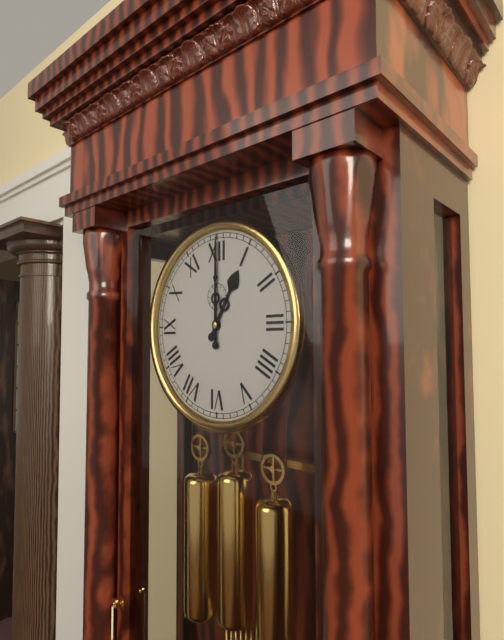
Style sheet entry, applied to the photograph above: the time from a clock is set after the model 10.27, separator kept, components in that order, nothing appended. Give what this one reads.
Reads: 1.00
